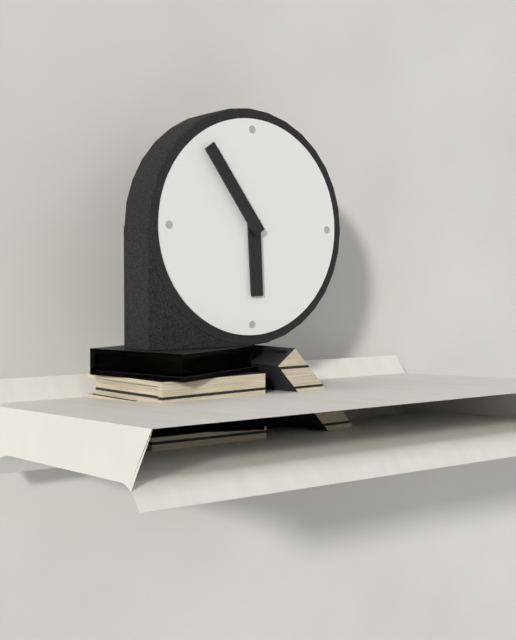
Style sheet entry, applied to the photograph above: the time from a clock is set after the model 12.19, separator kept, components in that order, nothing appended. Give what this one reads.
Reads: 5.54
